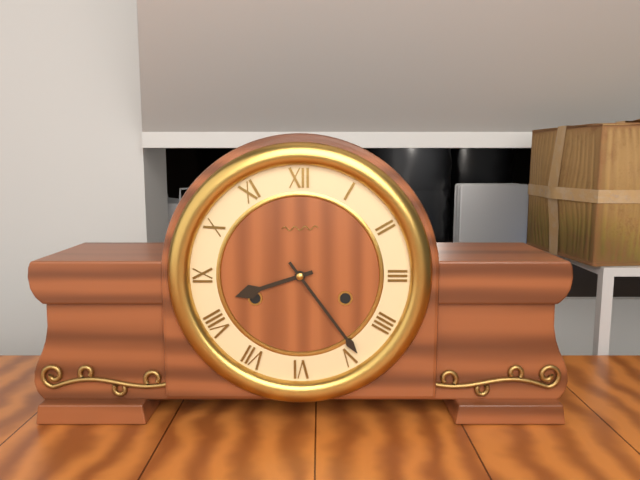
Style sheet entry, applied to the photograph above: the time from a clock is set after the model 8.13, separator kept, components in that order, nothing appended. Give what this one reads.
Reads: 8.24
